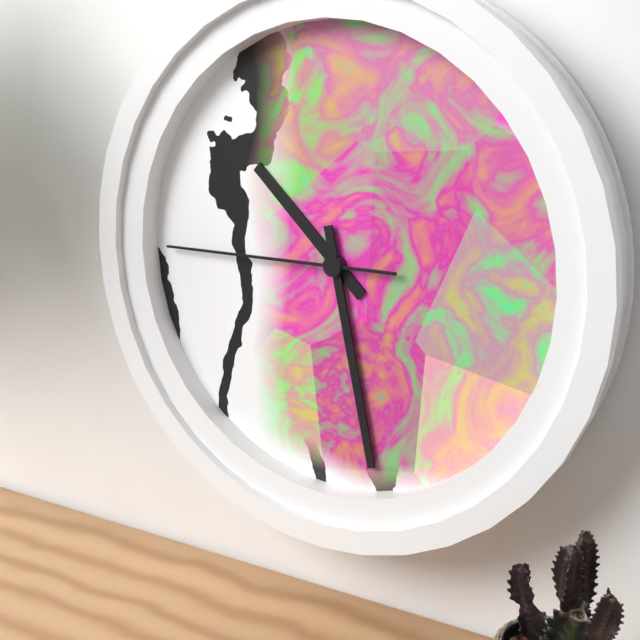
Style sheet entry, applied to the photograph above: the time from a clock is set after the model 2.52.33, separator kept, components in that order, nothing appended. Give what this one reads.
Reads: 10.28.45
